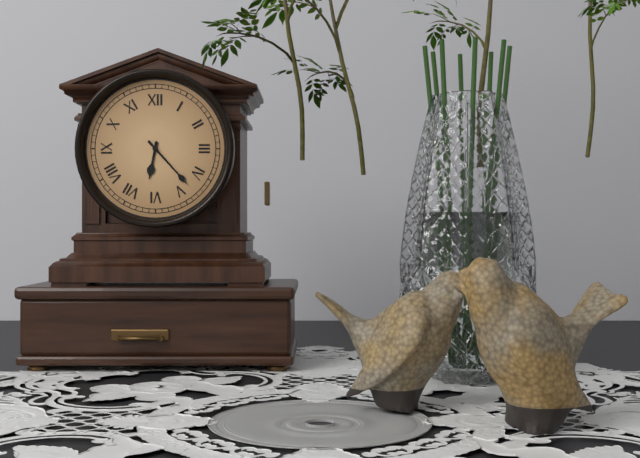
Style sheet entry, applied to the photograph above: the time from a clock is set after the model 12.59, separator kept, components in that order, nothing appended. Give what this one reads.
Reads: 6.23
